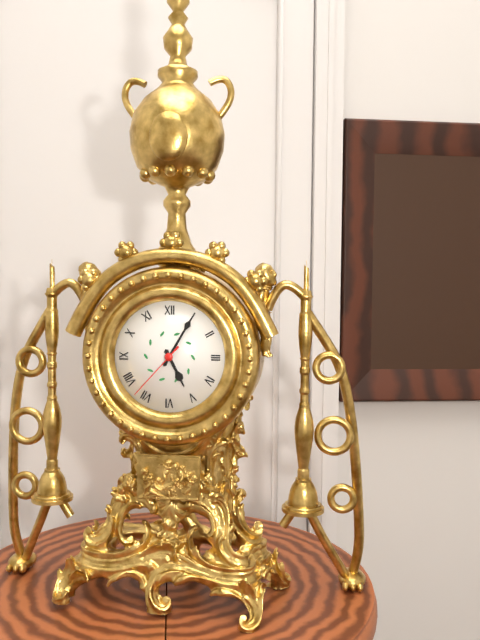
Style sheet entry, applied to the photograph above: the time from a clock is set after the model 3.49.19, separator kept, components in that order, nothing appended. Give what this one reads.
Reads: 5.05.37
